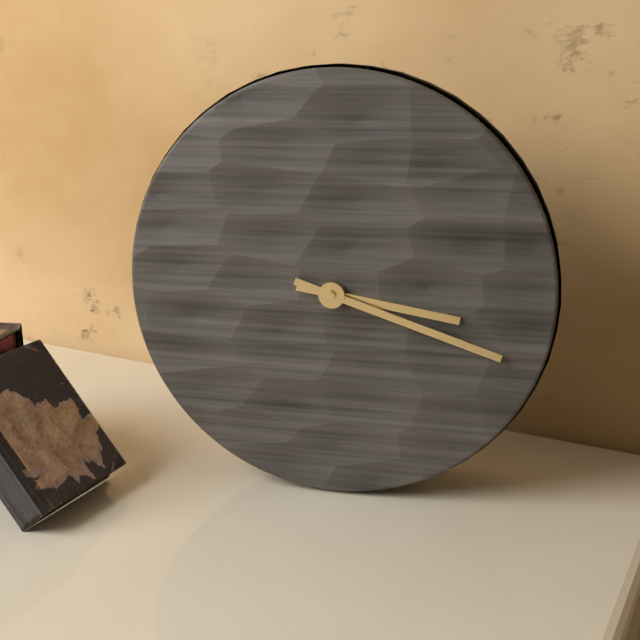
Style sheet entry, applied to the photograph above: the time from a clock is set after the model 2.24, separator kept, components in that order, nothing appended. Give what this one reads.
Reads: 3.18
